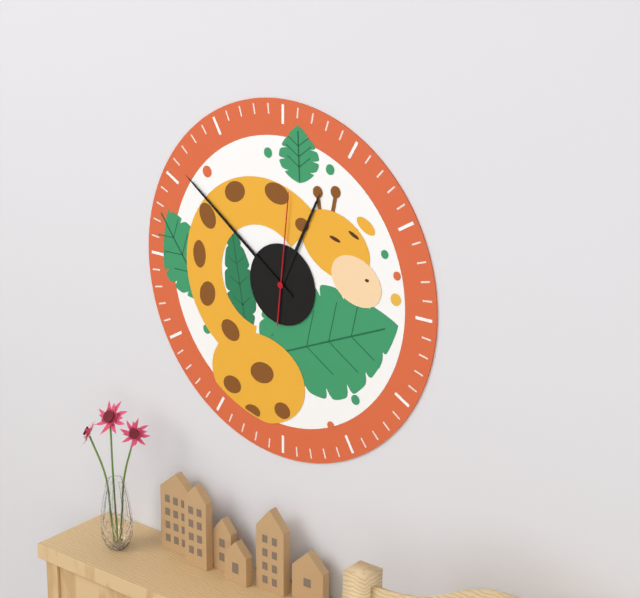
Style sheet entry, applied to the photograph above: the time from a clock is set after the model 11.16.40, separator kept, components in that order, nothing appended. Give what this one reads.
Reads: 12.51.01
